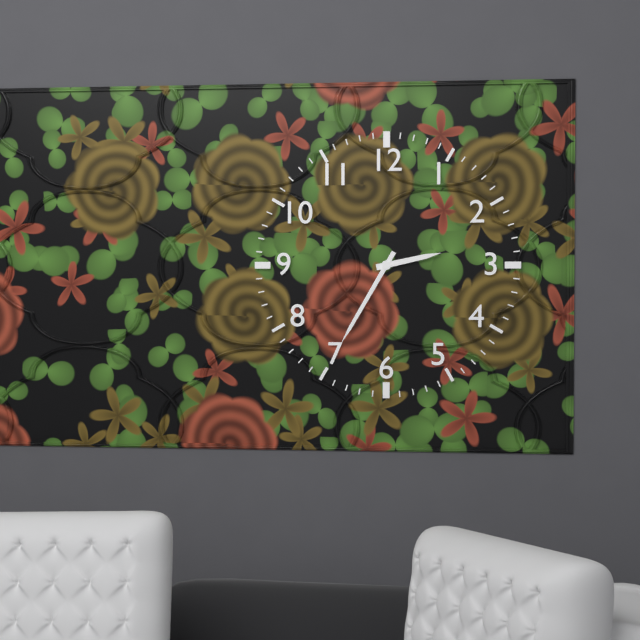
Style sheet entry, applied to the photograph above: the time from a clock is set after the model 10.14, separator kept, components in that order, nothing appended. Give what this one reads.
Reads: 2.35
